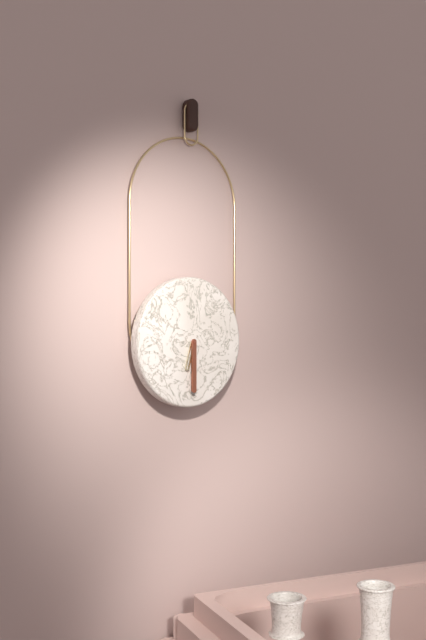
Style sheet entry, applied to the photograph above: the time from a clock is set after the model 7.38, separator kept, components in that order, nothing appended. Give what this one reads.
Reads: 6.30
